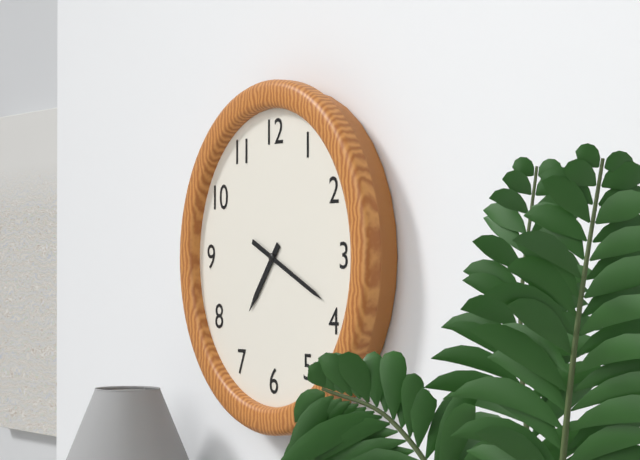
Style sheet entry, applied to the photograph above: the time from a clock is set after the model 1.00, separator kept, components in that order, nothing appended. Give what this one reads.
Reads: 7.19
